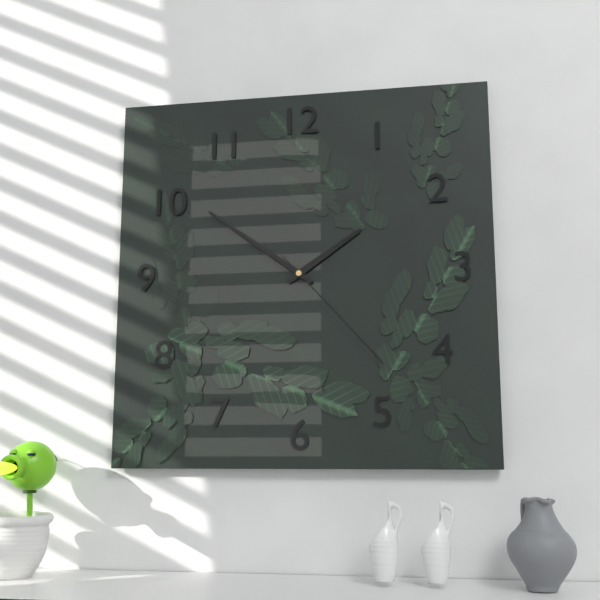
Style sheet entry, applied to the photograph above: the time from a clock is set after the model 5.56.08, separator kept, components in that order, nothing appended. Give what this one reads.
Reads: 1.51.23
